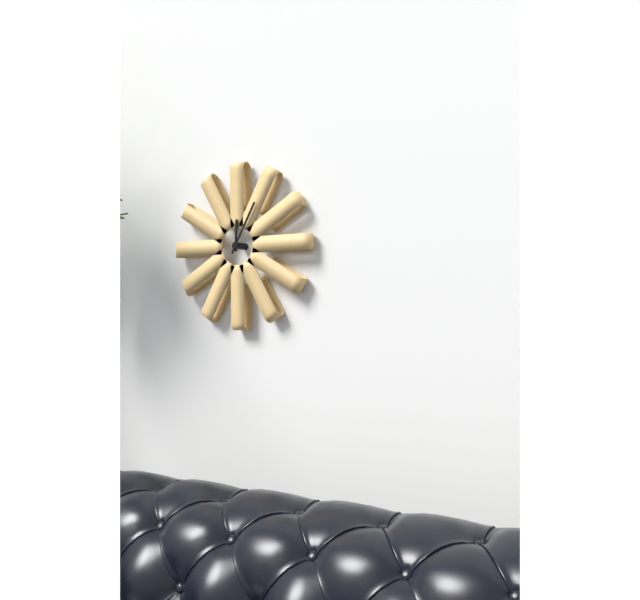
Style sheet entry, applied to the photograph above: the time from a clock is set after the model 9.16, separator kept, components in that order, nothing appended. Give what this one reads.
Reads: 12.05
